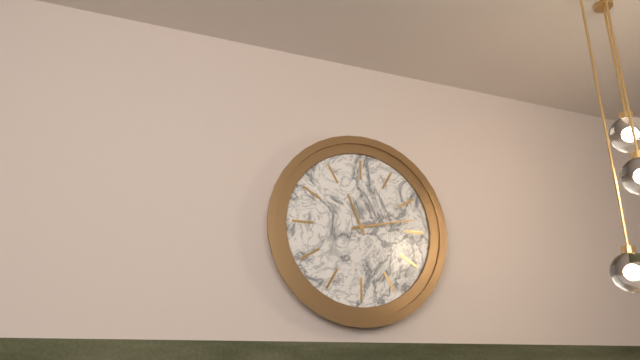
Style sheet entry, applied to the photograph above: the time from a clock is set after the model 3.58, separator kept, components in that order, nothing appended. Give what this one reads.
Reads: 11.13
